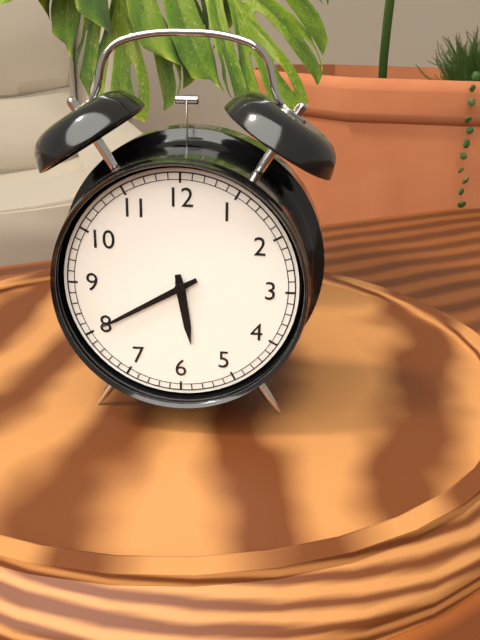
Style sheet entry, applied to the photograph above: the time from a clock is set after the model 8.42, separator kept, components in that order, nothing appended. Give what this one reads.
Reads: 5.40
